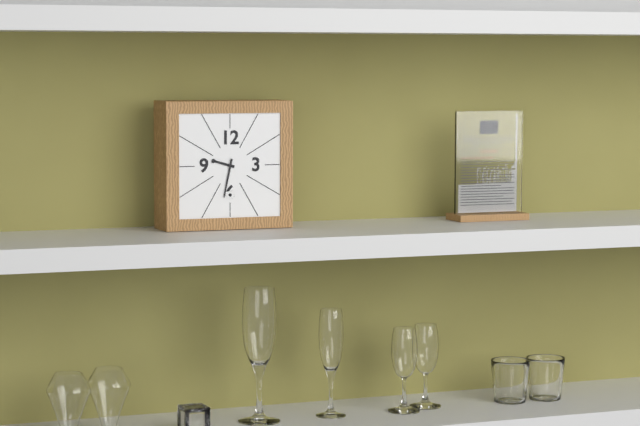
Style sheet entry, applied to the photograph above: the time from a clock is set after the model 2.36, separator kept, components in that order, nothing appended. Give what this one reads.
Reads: 9.32
